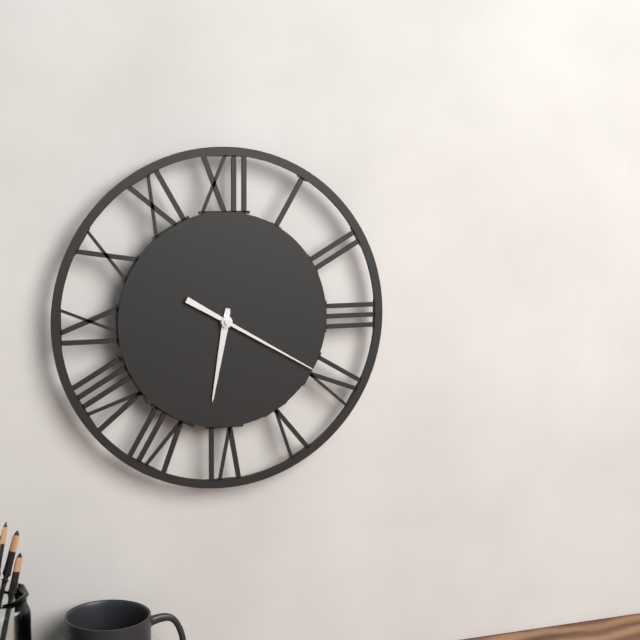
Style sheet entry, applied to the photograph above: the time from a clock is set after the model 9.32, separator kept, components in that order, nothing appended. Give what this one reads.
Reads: 6.20
